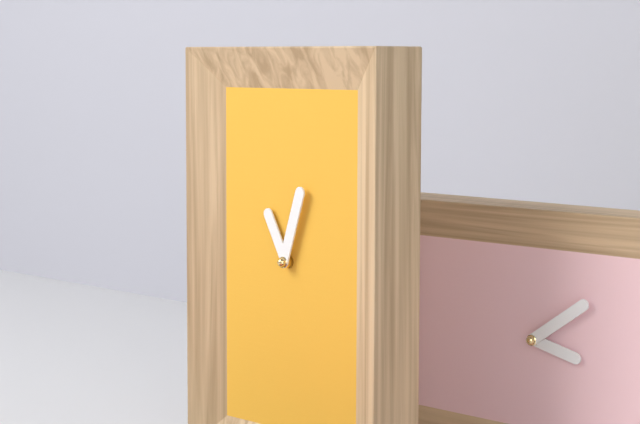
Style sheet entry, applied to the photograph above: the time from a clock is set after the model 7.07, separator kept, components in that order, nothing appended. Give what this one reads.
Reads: 11.03
